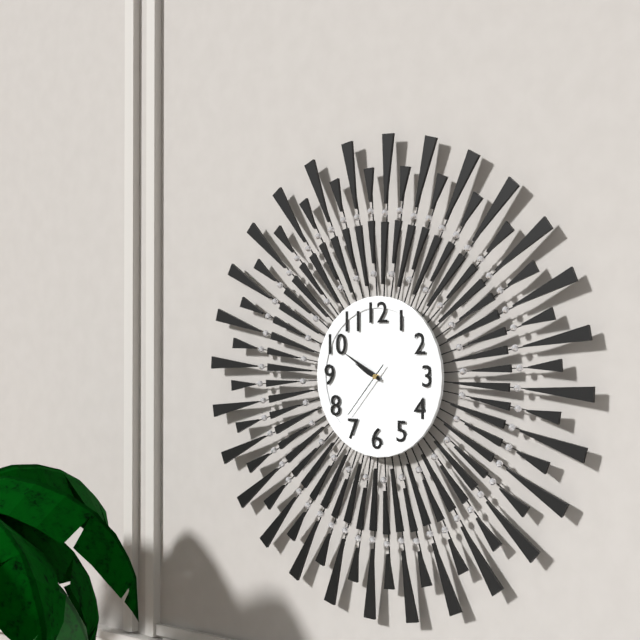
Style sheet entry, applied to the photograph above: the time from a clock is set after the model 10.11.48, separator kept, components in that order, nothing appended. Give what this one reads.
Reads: 9.50.37
